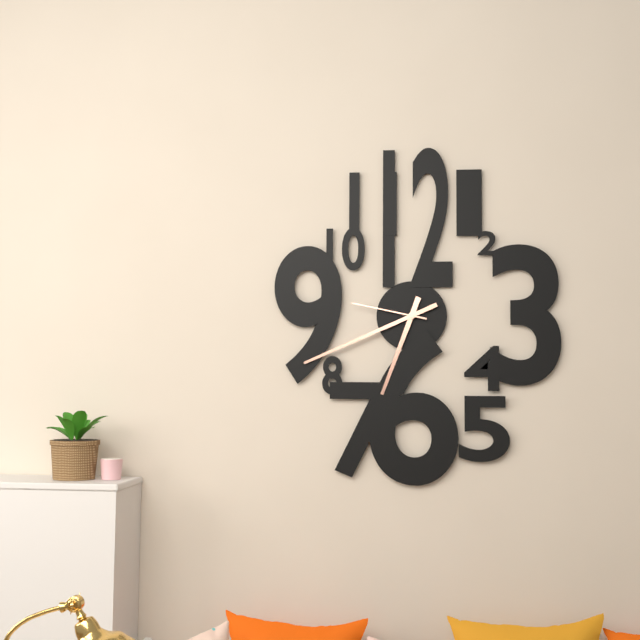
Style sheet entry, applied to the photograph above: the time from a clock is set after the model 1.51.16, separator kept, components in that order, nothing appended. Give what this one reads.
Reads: 6.41.47
